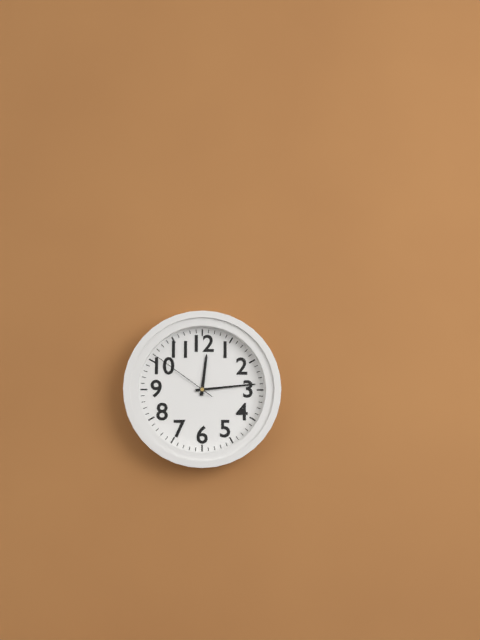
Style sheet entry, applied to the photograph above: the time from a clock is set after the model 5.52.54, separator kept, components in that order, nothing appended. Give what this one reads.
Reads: 12.14.51
